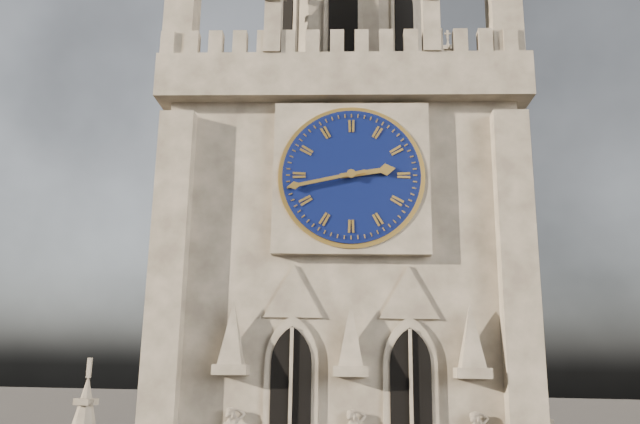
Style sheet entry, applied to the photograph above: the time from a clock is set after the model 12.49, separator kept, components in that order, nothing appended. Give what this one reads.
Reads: 2.43
